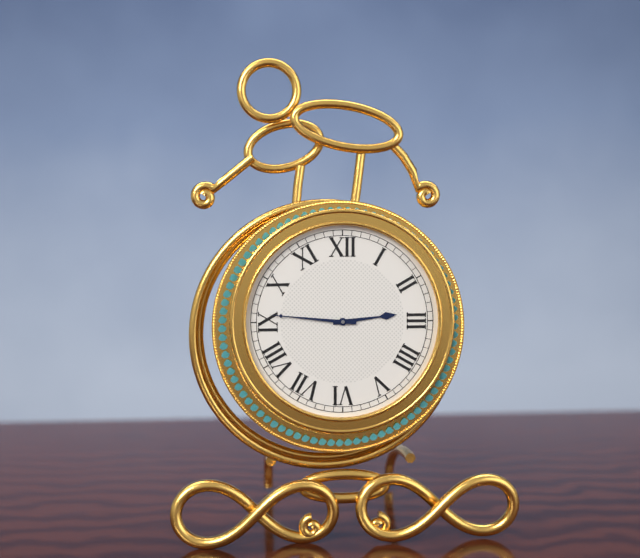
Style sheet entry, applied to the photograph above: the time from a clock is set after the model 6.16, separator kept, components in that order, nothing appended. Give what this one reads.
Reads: 2.46
